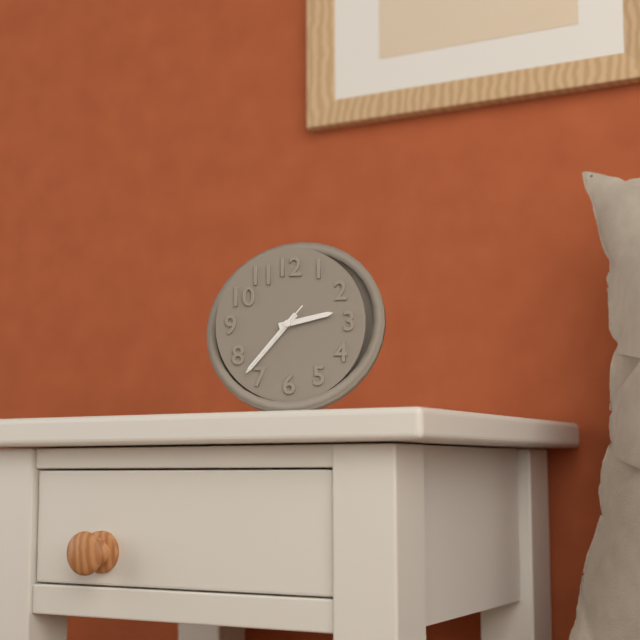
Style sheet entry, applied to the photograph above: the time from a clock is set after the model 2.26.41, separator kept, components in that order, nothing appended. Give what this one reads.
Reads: 2.37.37
